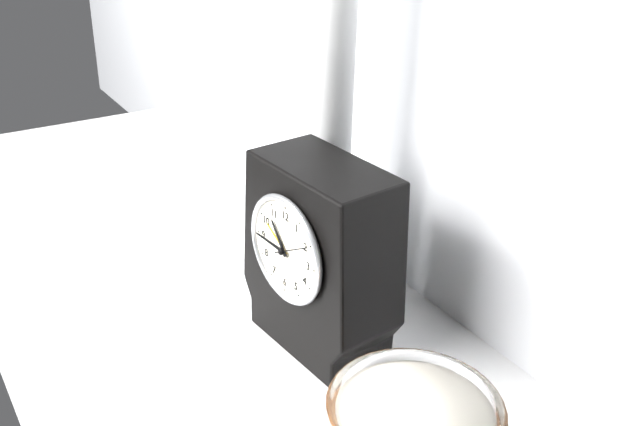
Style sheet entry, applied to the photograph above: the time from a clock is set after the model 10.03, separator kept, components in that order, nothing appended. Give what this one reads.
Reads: 10.45
